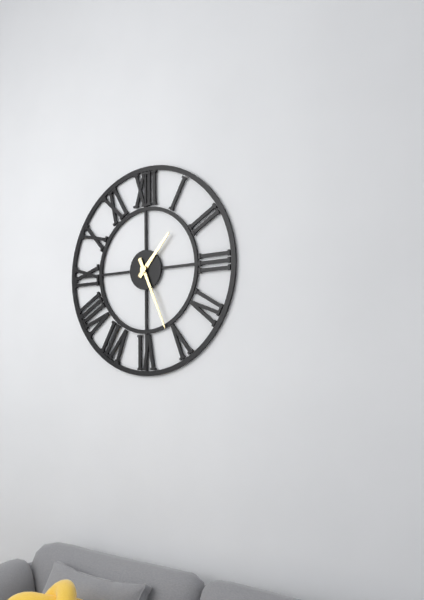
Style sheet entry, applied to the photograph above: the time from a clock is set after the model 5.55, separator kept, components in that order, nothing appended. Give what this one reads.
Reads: 1.26
